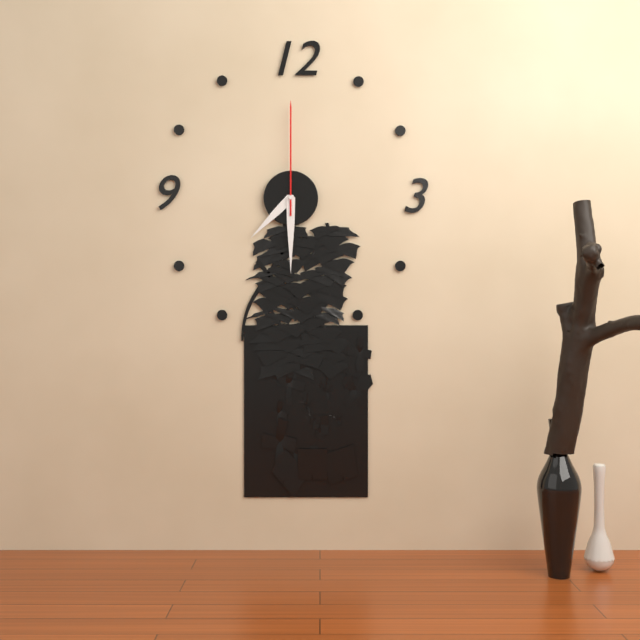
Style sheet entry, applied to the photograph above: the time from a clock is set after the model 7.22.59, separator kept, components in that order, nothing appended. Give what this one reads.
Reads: 7.30.00
